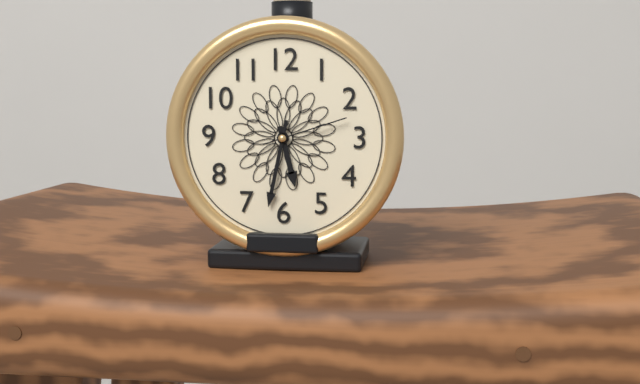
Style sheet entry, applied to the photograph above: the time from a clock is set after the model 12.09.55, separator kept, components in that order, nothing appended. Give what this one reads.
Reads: 5.32.12
